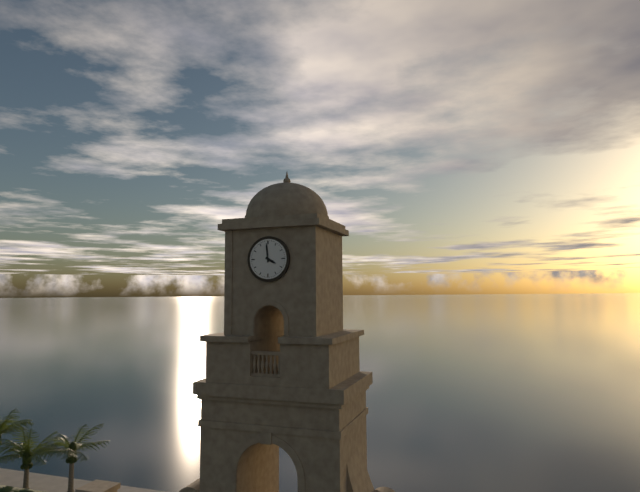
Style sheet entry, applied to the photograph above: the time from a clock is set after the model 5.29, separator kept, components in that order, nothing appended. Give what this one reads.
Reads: 3.59
